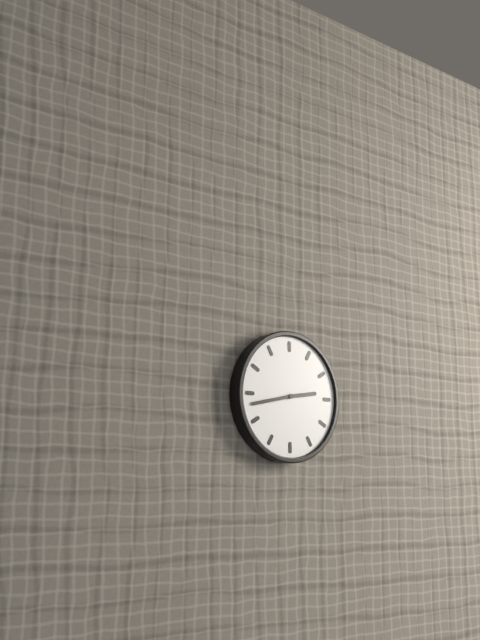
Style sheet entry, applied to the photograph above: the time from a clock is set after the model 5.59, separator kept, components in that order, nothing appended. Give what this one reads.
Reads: 2.43
